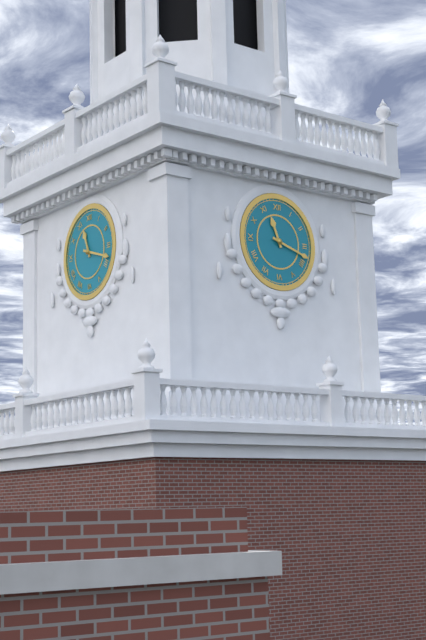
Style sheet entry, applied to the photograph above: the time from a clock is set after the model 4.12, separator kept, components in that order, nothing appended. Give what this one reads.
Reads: 11.18
